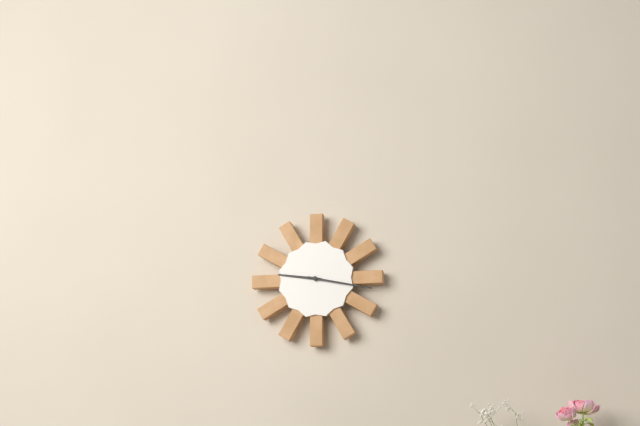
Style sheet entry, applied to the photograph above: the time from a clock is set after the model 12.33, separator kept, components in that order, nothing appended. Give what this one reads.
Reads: 9.17
